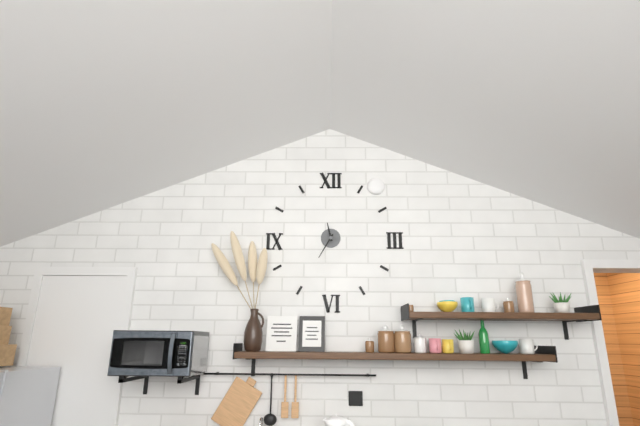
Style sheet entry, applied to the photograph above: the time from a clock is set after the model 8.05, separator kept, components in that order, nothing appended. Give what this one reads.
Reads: 11.35
